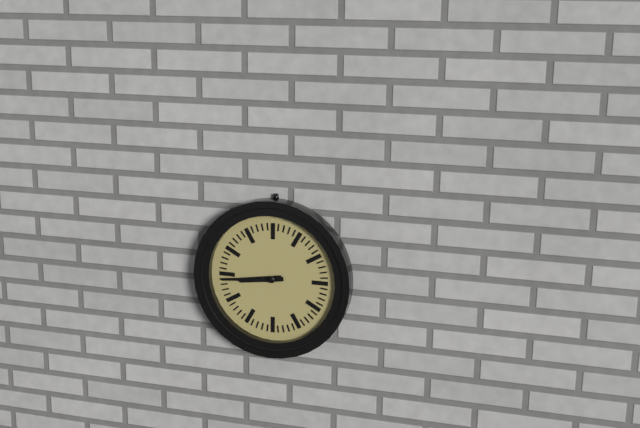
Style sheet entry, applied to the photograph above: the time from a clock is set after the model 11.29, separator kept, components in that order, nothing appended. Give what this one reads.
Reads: 8.44
